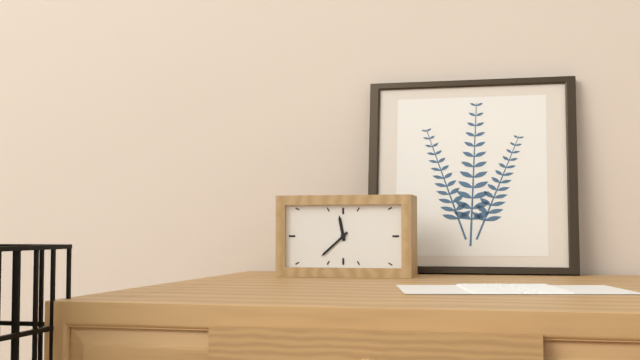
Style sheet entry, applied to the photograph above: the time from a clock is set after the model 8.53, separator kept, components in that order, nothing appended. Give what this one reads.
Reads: 11.38
